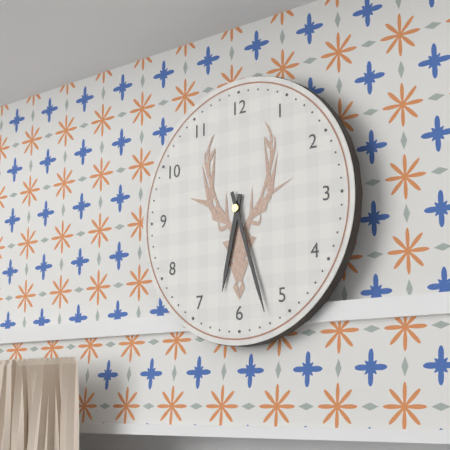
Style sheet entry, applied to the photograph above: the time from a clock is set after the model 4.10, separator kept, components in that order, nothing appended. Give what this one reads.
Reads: 6.27
